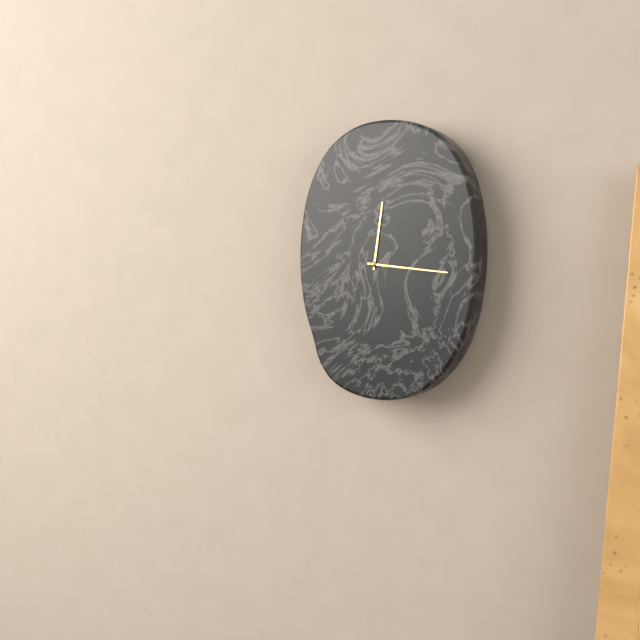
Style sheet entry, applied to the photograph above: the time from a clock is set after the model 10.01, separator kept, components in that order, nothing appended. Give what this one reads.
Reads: 12.16
